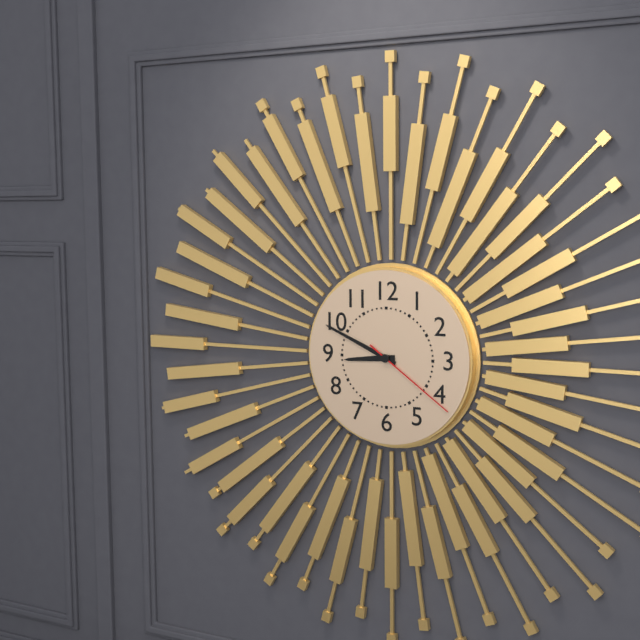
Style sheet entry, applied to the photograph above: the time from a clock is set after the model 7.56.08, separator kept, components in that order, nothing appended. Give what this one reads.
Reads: 8.49.21
